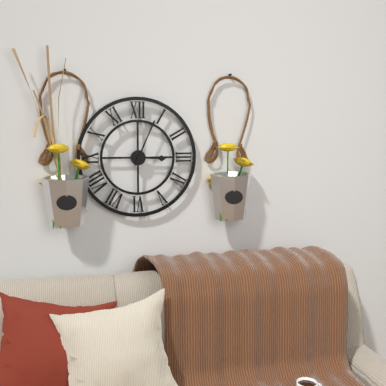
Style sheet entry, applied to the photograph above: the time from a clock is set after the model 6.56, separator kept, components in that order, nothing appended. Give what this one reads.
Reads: 3.04
